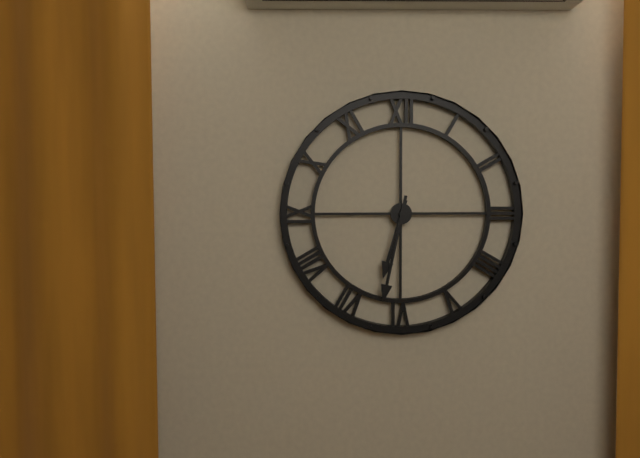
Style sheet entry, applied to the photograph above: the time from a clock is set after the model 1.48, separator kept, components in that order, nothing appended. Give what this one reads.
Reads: 6.32
